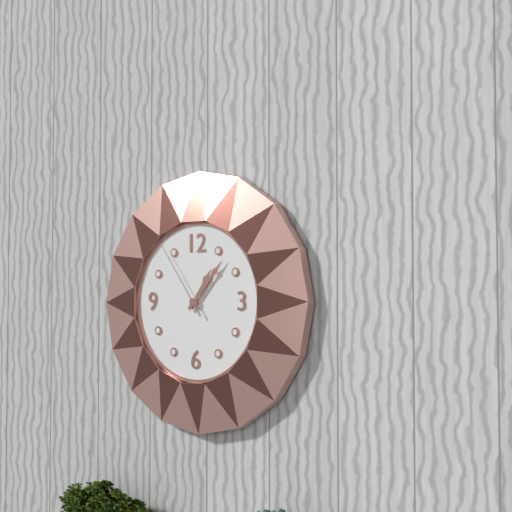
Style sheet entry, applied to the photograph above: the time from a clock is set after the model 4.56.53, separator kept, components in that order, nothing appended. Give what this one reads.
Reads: 1.07.54
